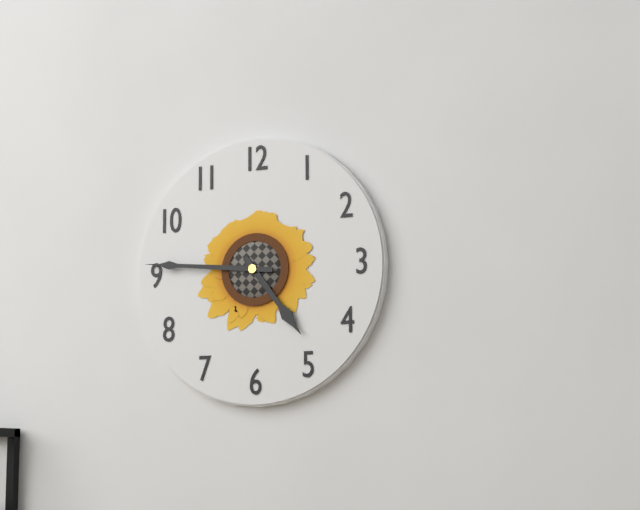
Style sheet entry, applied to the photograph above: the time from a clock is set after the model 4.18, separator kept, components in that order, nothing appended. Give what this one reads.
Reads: 4.46
